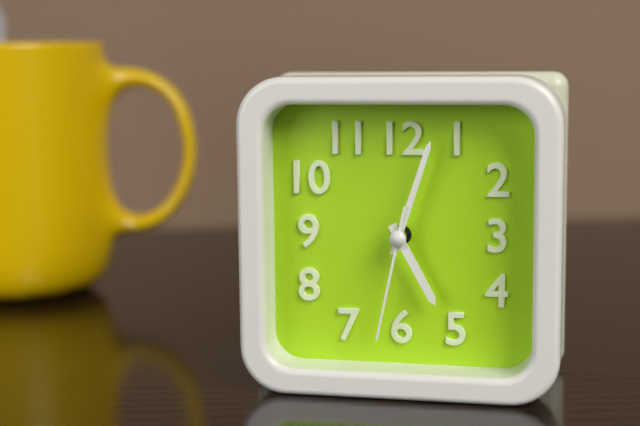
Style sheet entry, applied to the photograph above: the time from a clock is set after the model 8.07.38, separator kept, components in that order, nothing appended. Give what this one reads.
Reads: 5.03.32
